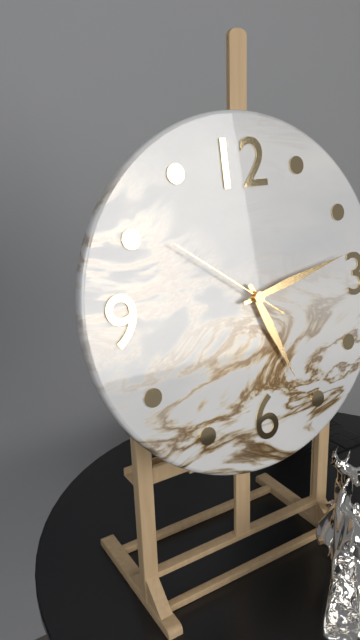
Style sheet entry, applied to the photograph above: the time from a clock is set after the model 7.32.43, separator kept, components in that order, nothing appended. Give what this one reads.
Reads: 5.13.51
